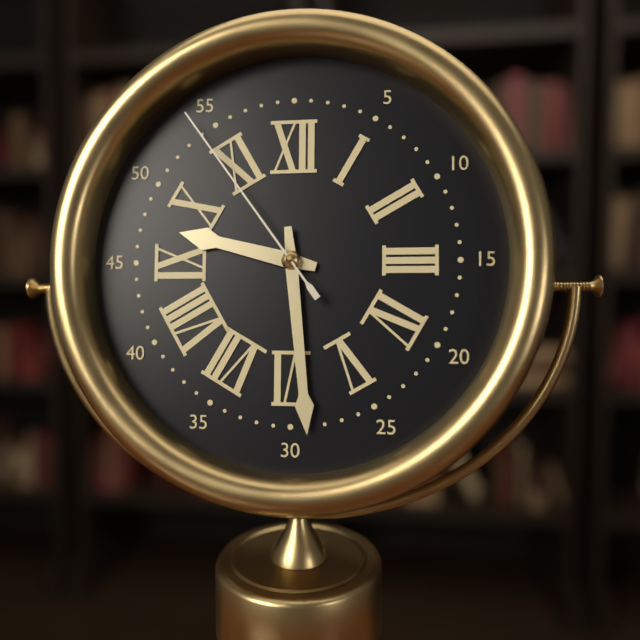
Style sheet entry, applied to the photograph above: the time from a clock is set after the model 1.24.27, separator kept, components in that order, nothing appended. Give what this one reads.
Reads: 9.29.54
